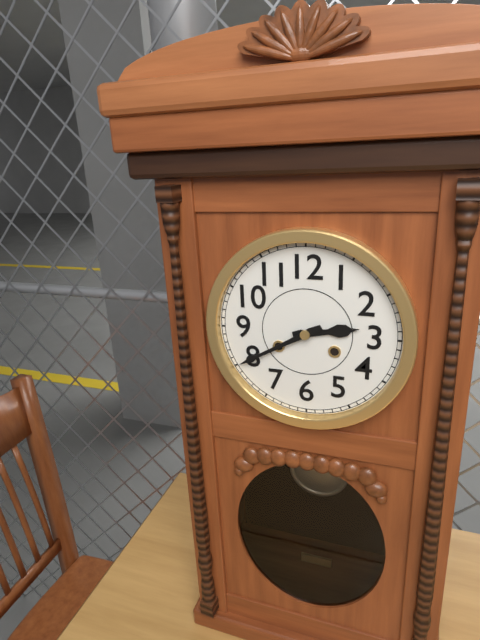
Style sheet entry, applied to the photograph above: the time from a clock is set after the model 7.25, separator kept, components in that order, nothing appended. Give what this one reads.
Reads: 2.40
